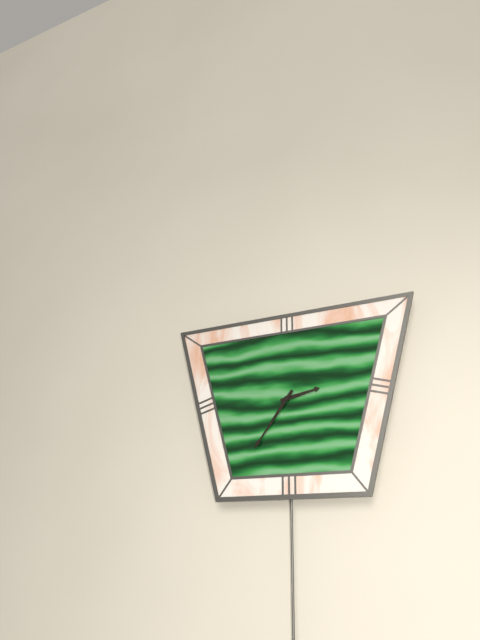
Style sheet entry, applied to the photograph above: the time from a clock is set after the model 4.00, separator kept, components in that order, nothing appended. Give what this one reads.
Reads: 2.36
